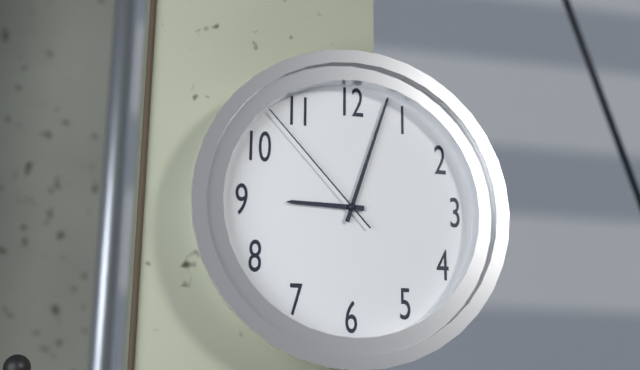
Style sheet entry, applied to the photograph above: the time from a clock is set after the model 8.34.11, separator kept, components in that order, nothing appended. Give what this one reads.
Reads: 9.03.53
